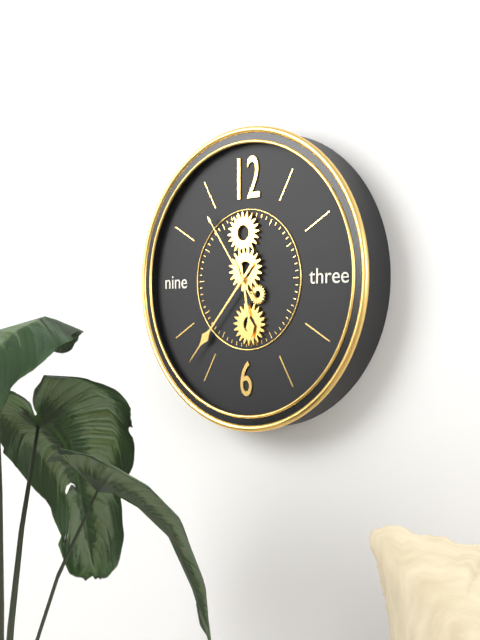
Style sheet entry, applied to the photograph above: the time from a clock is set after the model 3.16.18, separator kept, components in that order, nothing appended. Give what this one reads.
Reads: 5.37.54
